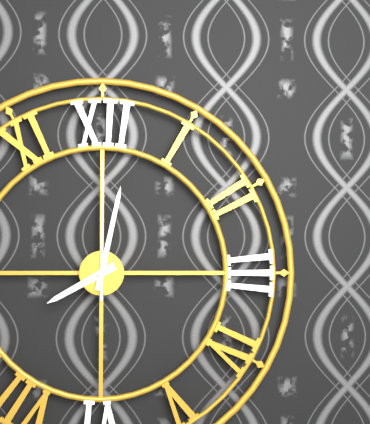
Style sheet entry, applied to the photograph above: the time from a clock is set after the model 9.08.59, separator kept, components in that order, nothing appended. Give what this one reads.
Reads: 8.02.00
